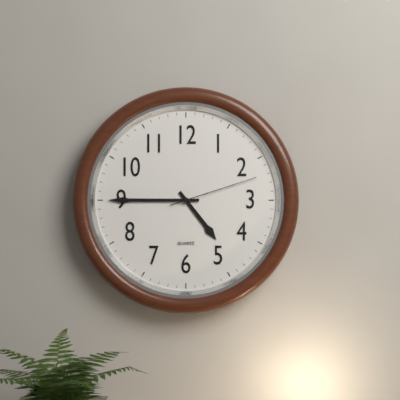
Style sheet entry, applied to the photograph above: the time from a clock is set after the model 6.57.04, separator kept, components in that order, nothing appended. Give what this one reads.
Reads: 4.45.12
